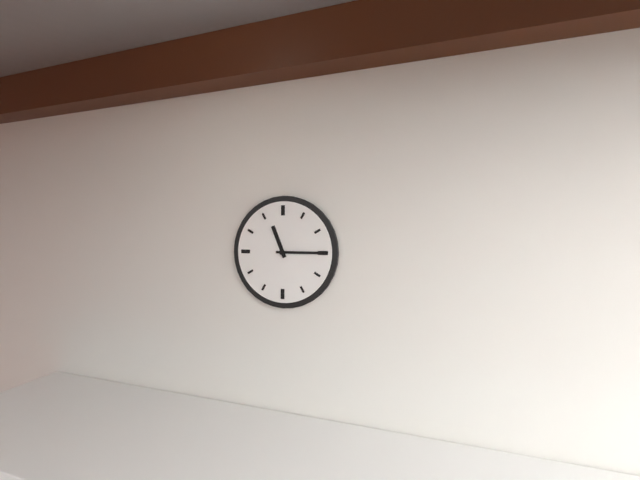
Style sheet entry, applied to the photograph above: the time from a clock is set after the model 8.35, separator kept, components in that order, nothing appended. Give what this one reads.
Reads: 11.15
